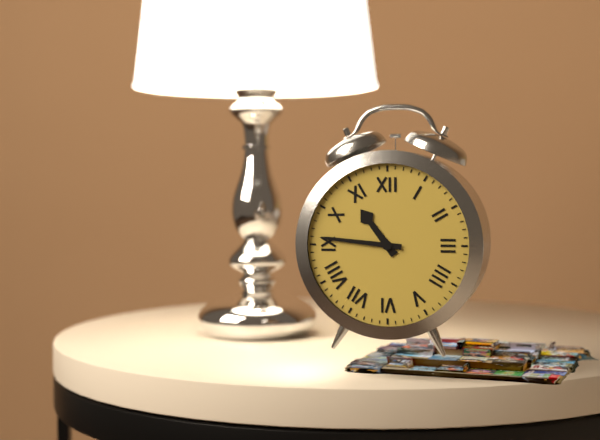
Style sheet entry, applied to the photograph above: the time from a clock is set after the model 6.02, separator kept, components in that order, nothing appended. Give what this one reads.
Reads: 10.46
